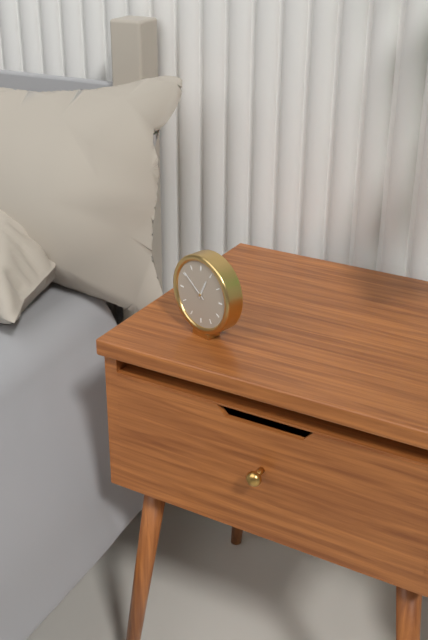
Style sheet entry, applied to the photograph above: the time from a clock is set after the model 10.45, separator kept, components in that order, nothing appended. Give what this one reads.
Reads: 12.51
